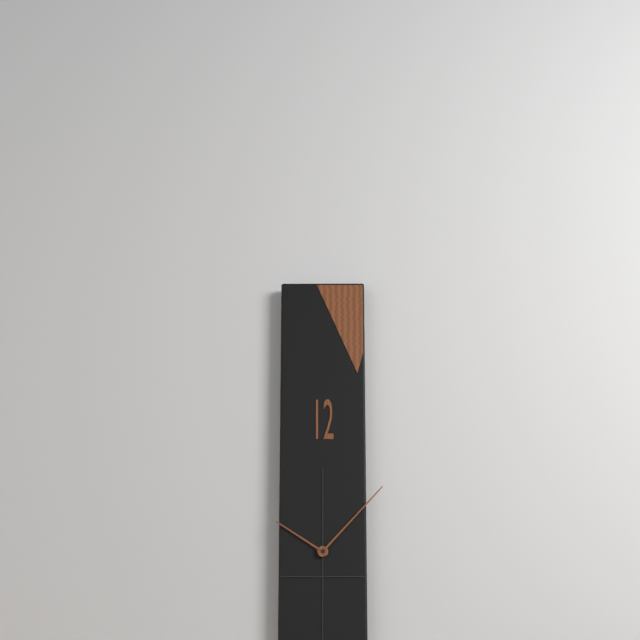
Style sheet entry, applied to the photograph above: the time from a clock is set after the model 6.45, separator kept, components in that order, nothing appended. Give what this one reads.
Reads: 10.07
